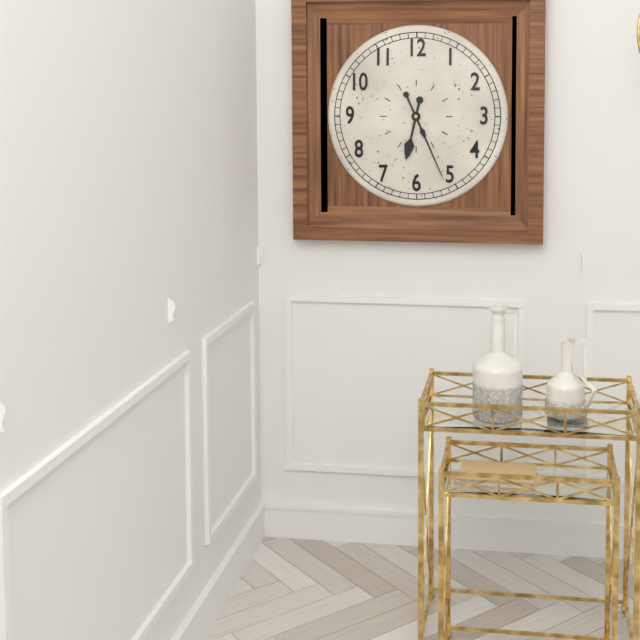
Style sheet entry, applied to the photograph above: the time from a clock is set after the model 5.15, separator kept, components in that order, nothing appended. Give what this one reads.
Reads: 6.26
